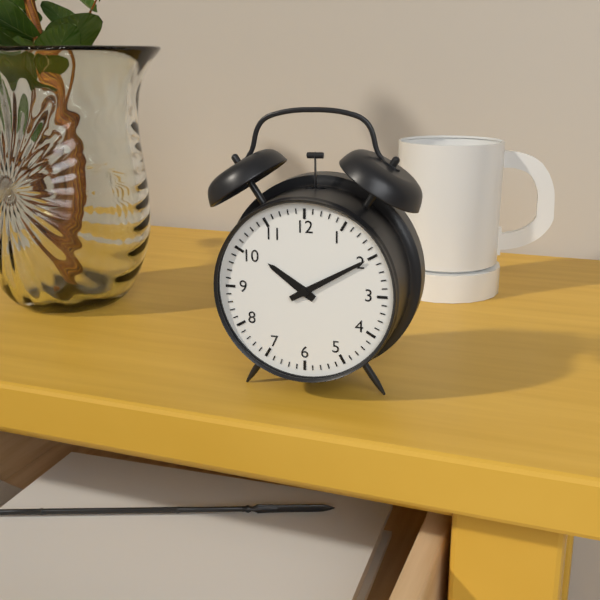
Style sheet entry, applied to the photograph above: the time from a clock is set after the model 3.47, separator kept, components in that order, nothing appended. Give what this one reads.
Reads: 10.10
